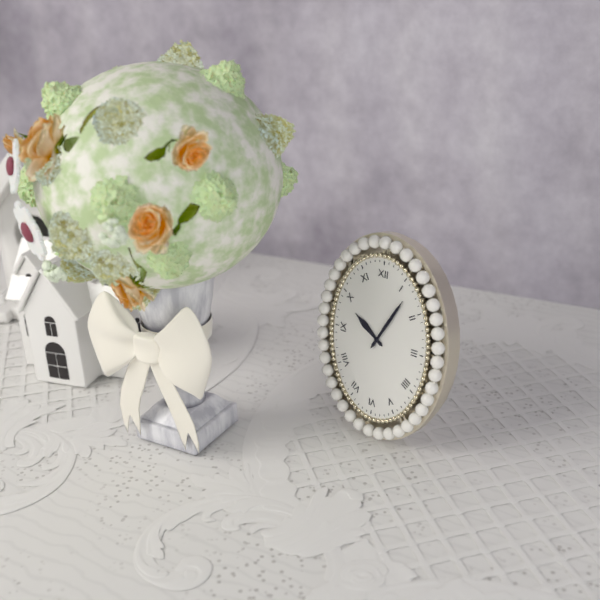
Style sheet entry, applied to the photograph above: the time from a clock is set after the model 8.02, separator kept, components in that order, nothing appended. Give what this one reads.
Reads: 10.05
